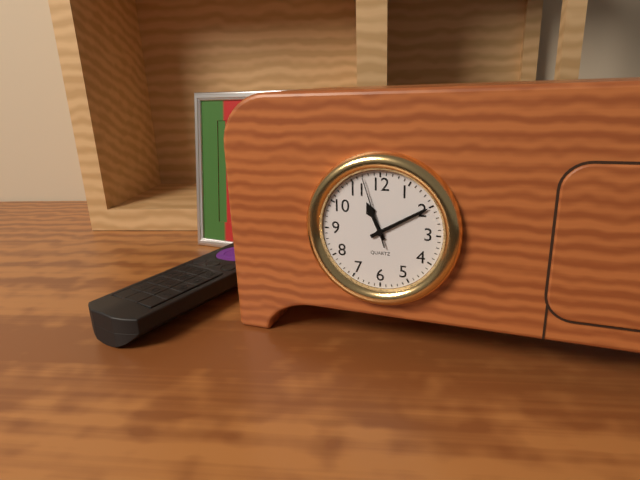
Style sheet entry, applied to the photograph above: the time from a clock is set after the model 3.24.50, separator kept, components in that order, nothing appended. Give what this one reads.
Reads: 11.10.57
